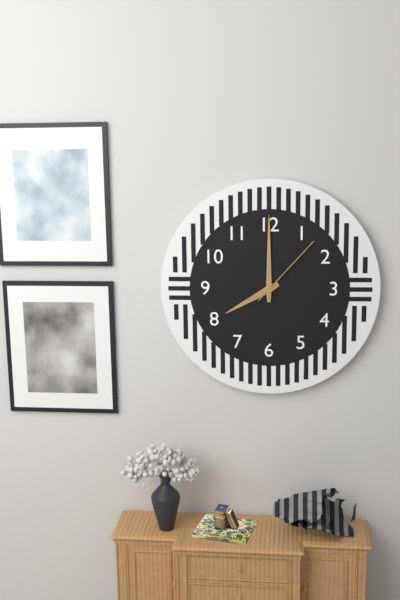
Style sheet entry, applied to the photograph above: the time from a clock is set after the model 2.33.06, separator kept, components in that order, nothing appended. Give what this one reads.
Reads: 8.00.07
